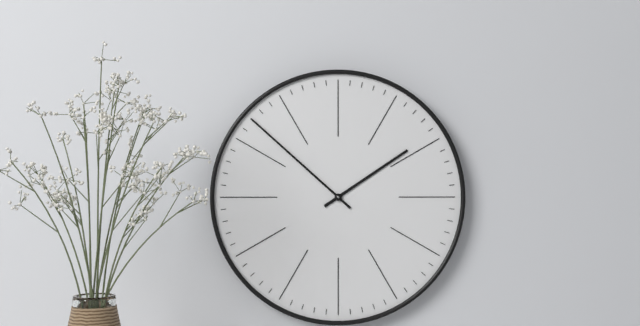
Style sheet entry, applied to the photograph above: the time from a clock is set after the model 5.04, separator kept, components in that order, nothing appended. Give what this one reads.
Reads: 1.52
